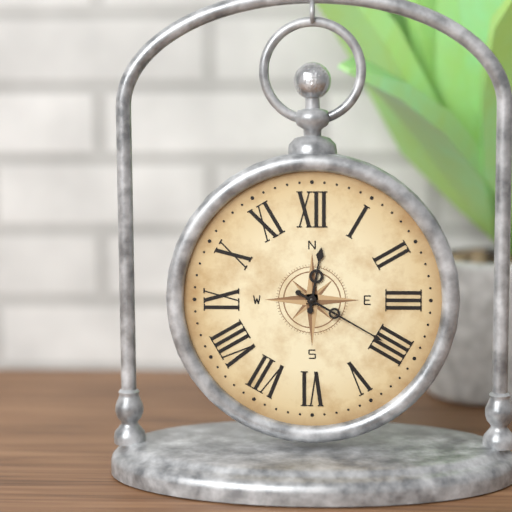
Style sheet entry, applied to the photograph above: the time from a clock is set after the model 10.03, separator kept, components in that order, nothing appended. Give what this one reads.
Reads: 12.20
